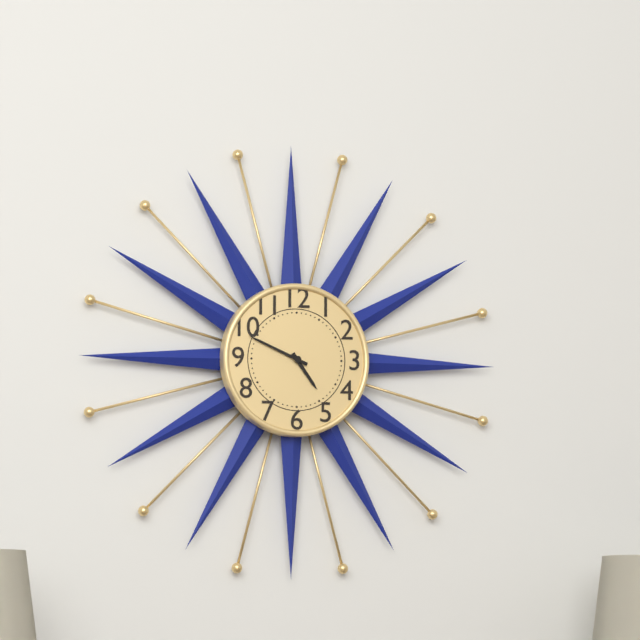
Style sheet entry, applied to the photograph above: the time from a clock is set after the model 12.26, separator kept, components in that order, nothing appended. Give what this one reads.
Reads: 4.49
